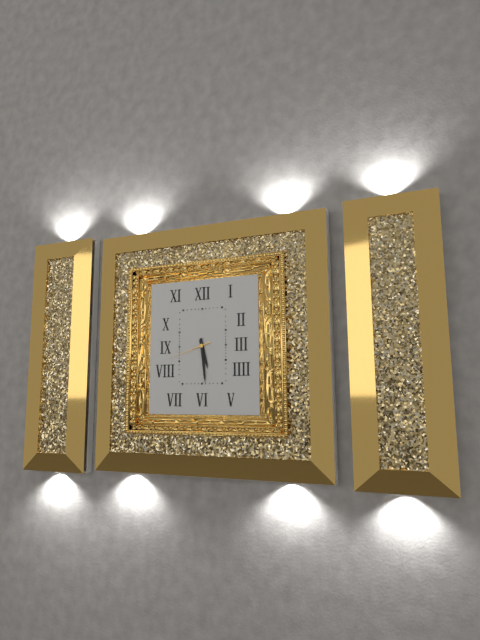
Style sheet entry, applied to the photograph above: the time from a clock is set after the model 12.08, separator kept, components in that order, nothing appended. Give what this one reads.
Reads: 5.29
